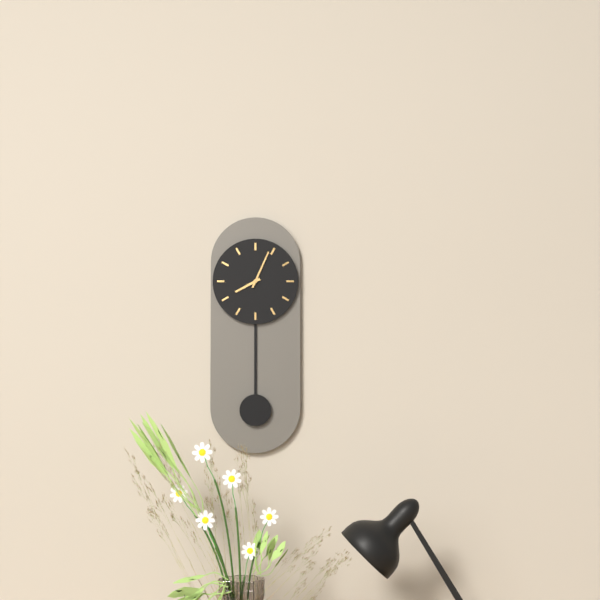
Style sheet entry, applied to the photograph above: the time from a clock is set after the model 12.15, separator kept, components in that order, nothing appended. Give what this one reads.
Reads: 8.04
